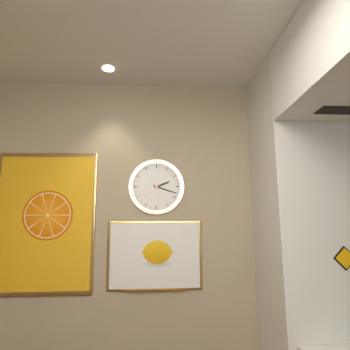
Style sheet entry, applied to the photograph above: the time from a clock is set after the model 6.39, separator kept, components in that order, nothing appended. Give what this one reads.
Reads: 2.18
